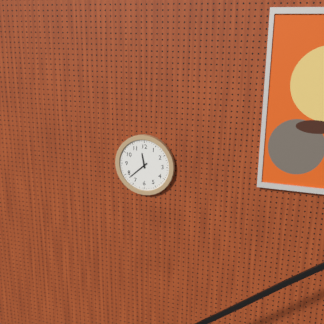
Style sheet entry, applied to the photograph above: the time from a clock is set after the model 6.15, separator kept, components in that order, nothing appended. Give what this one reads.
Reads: 11.38
